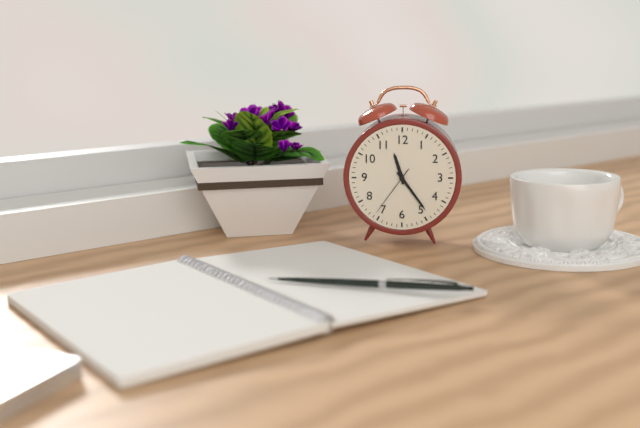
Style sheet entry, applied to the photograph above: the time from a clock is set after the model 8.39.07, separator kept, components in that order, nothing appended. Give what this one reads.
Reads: 11.24.36
